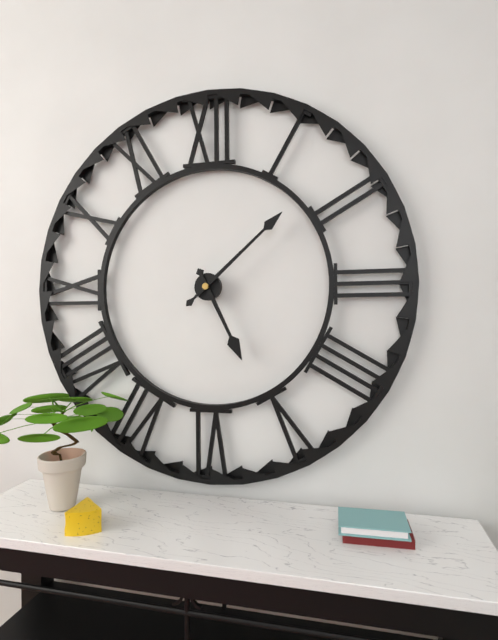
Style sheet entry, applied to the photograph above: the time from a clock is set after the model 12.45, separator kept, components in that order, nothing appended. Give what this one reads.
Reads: 5.08
